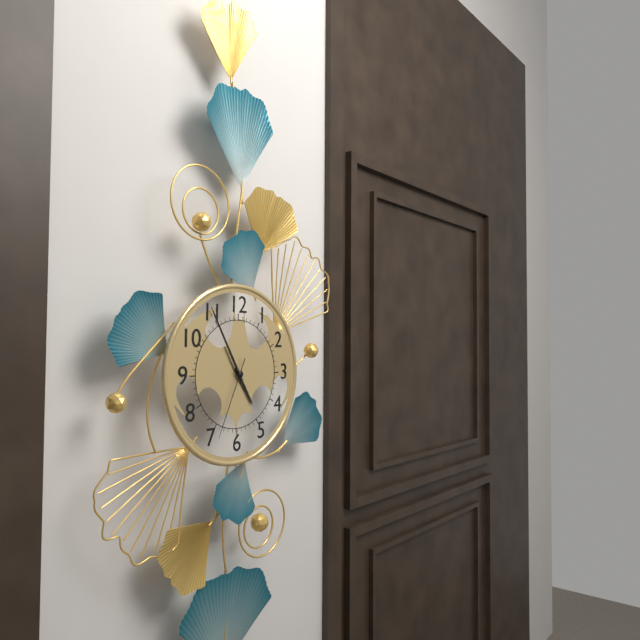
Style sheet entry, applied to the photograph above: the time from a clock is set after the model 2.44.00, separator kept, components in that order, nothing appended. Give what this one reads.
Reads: 4.55.34
